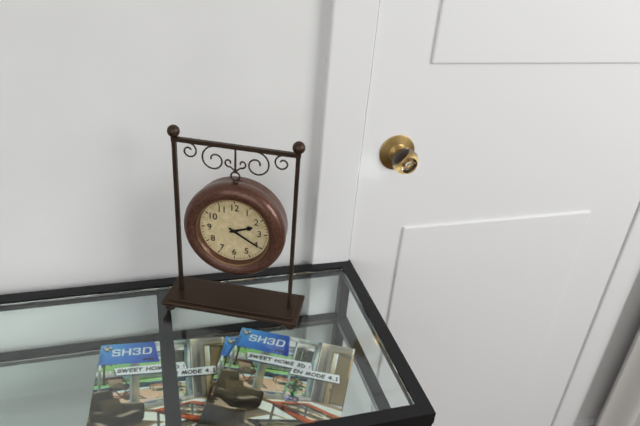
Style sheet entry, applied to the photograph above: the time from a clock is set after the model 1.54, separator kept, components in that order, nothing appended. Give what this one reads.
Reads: 2.20
